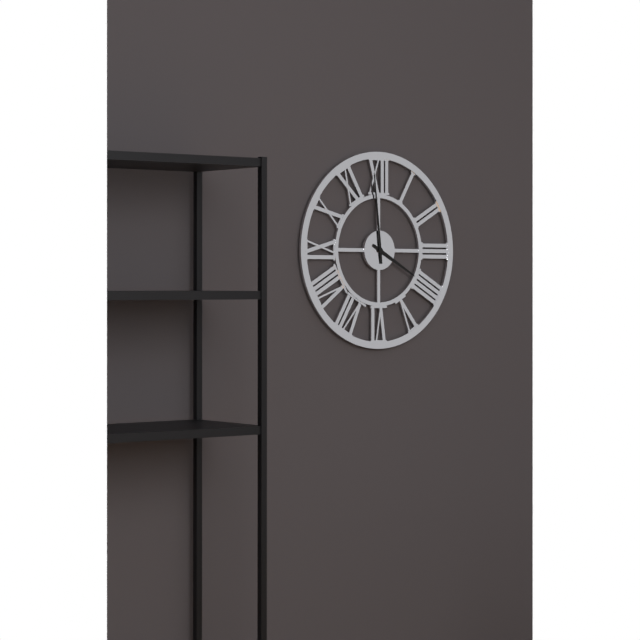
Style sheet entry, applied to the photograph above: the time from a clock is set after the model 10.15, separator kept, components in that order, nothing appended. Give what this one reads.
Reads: 3.59
